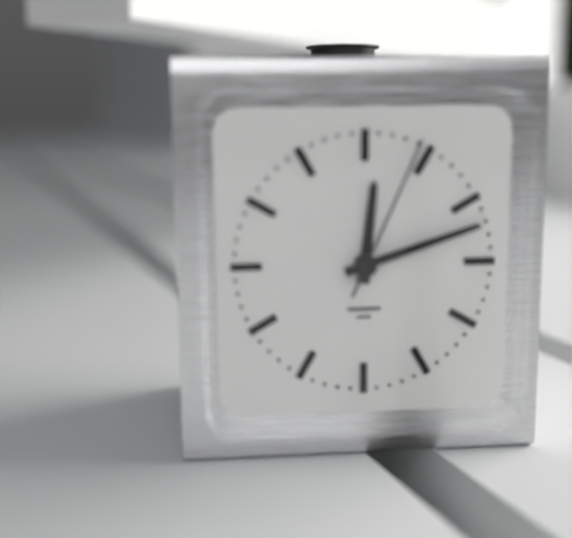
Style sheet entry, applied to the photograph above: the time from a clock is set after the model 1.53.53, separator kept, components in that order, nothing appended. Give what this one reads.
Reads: 12.12.04
